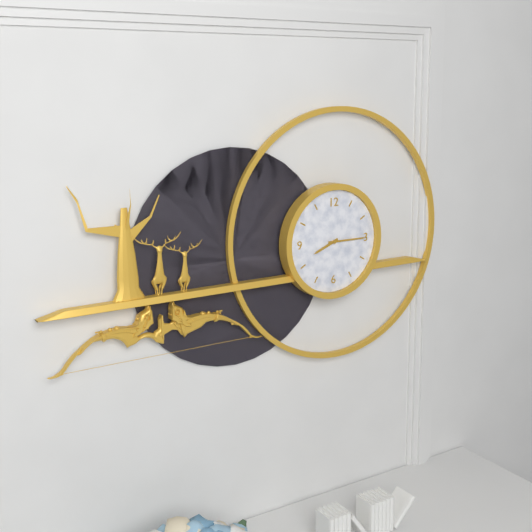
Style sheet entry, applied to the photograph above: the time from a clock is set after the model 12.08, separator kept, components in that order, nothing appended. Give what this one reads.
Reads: 8.15
